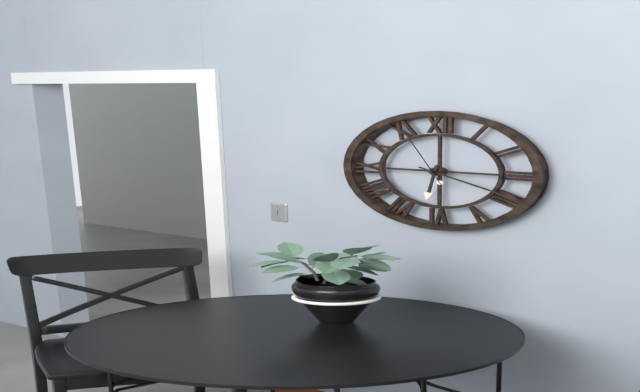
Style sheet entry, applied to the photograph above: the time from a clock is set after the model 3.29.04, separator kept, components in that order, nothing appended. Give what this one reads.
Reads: 6.19.56
